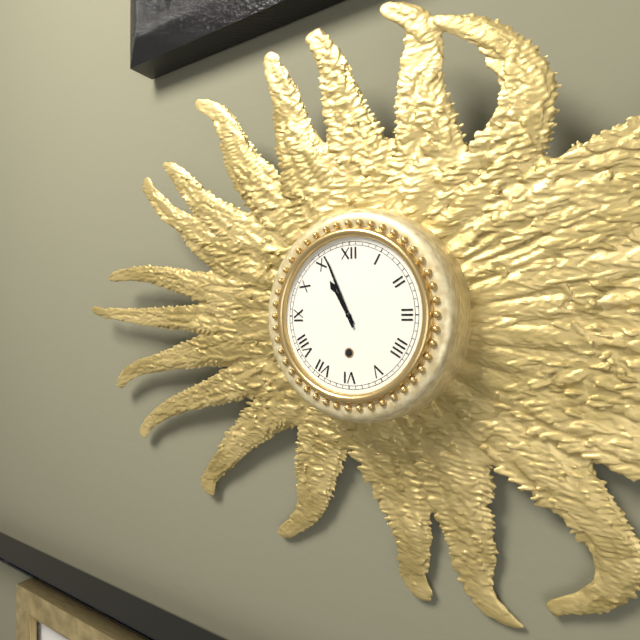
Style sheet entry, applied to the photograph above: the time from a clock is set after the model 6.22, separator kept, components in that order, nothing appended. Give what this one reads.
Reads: 10.56
